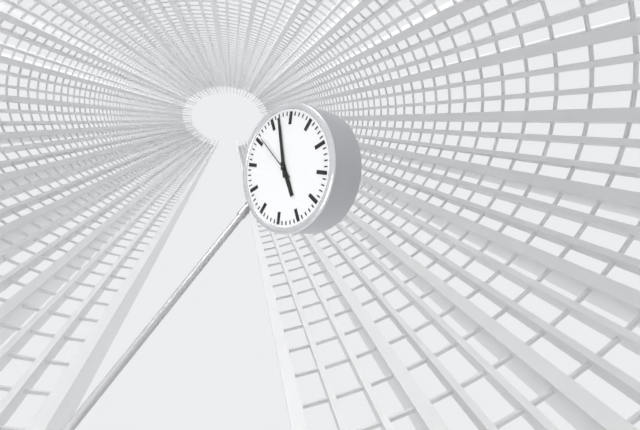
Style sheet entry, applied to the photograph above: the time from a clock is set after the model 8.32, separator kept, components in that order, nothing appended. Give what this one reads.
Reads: 4.57
